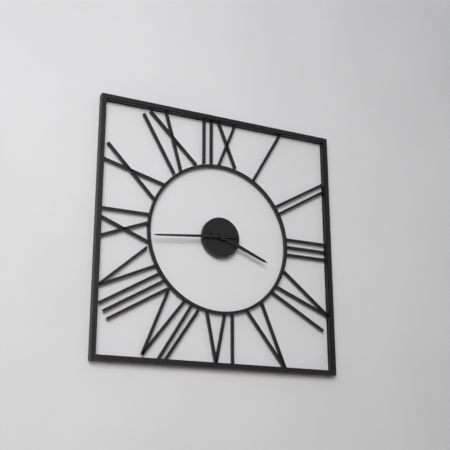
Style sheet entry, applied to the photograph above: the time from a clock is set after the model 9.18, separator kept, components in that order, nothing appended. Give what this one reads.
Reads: 3.44
